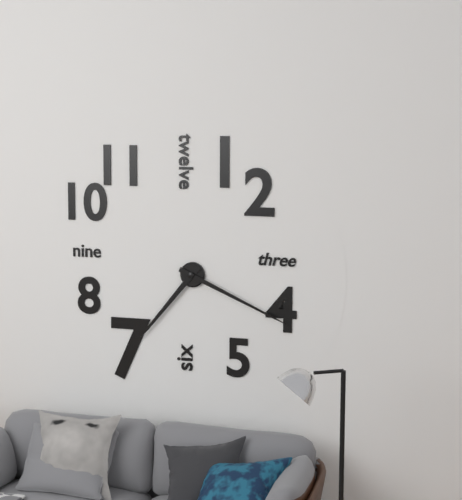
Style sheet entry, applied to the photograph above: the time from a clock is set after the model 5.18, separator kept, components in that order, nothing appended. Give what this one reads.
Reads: 7.19
